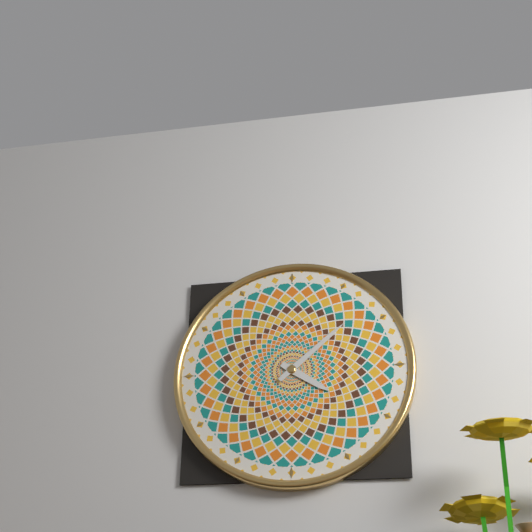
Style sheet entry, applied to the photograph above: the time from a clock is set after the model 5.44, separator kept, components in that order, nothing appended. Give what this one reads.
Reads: 4.08
